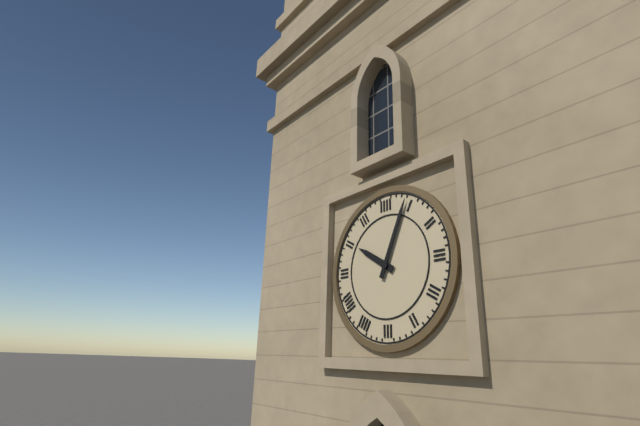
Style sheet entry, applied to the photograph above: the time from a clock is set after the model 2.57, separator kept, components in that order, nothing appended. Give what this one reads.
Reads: 10.04
